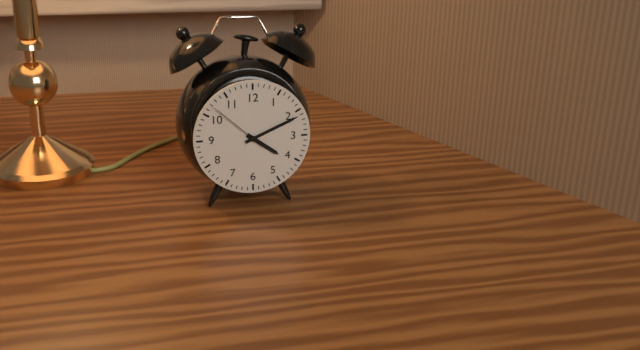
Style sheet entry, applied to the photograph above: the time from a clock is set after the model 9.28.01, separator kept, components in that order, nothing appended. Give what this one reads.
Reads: 4.11.52
